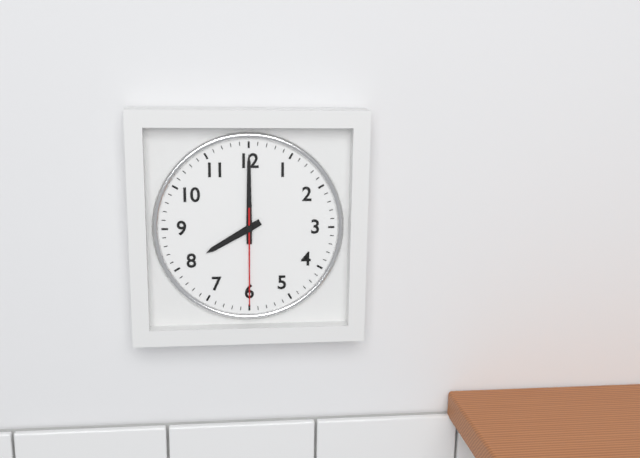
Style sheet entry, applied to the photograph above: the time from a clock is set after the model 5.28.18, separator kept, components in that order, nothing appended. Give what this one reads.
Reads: 8.00.30
